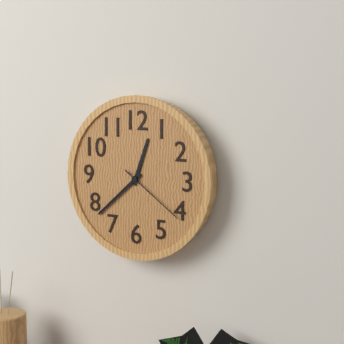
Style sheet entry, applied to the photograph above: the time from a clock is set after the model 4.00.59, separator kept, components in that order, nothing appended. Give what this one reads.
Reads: 12.38.21
